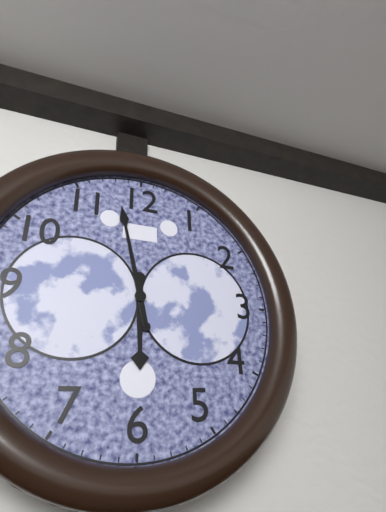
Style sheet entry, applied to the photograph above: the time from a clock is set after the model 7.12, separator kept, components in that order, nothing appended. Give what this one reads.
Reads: 5.58
